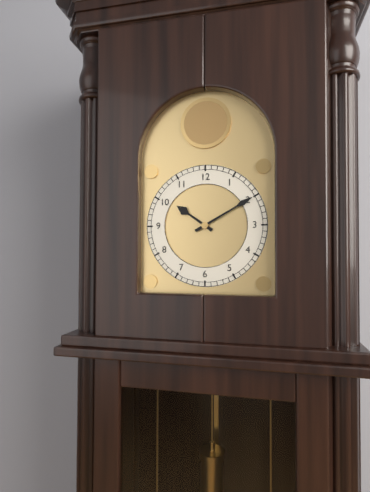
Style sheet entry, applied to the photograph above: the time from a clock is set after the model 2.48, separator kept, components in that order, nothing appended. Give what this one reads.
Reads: 10.10
